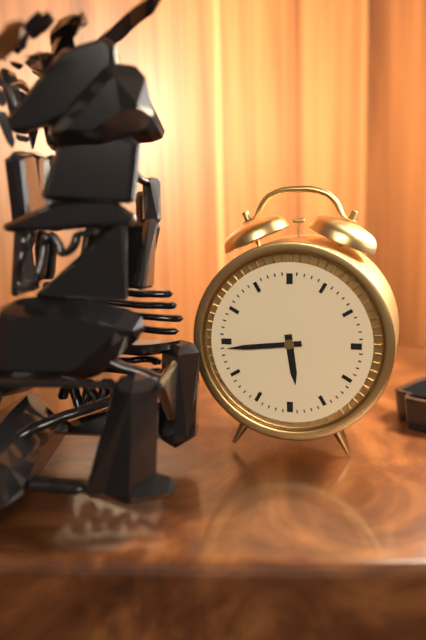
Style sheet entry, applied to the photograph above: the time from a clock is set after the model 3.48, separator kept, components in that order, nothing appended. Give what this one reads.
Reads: 5.44
